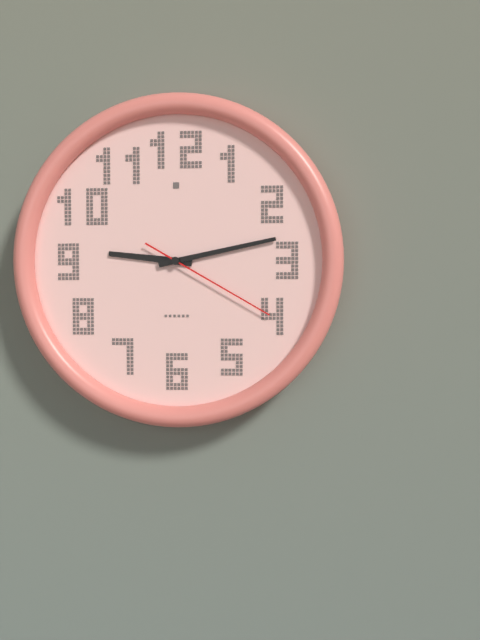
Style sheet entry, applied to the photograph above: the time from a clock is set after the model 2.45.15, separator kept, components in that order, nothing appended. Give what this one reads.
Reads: 9.13.20
